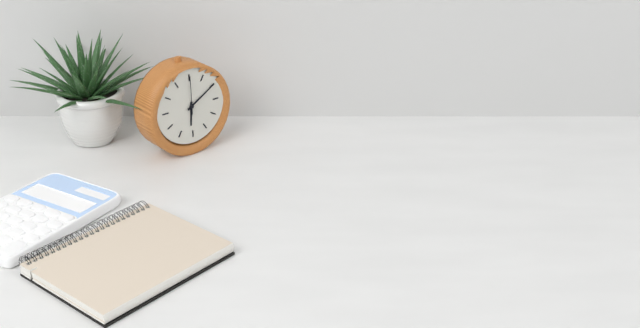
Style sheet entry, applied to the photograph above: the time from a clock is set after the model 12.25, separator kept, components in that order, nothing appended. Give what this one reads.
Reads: 6.10
